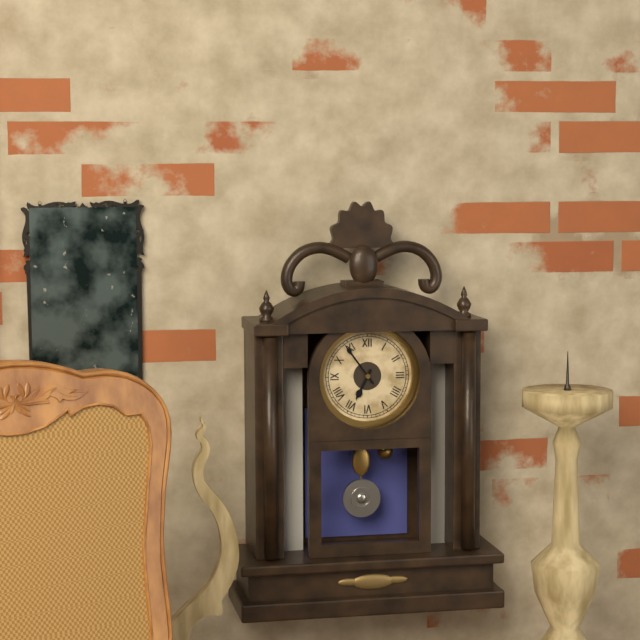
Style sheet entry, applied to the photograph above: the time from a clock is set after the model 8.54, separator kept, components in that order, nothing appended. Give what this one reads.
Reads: 6.54
